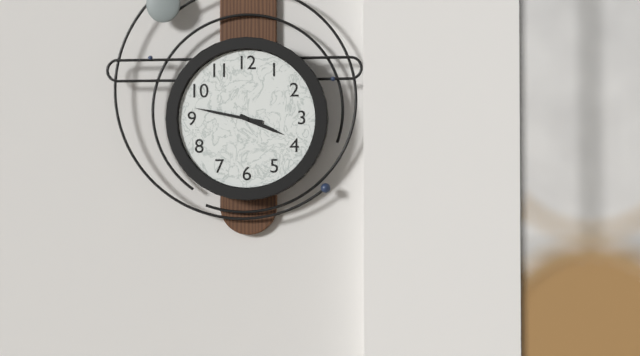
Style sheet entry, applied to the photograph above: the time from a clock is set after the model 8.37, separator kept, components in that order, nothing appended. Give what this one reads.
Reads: 3.47
